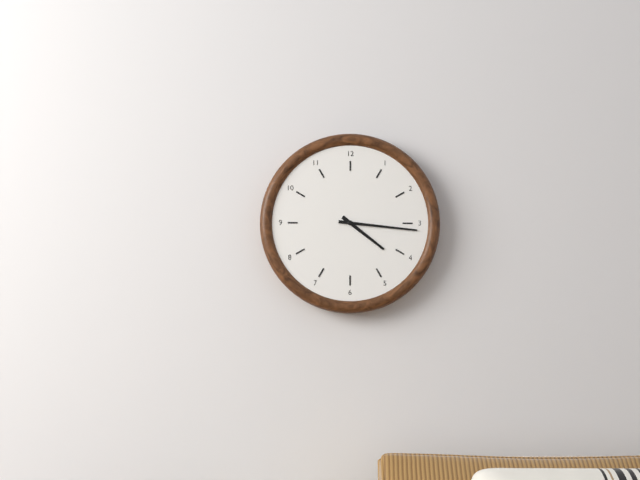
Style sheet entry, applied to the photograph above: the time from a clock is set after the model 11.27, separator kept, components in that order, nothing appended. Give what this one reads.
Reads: 4.16
